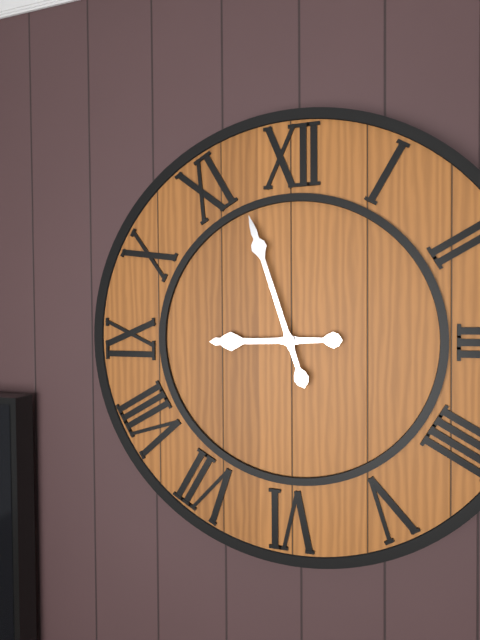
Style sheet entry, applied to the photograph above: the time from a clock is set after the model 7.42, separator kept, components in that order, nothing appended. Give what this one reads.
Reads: 8.57
